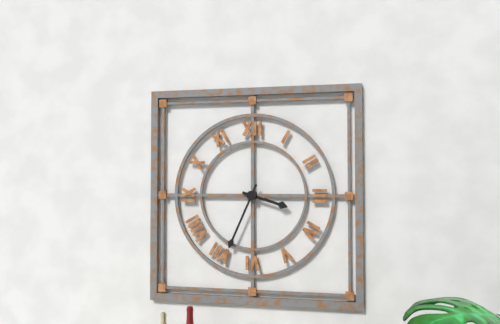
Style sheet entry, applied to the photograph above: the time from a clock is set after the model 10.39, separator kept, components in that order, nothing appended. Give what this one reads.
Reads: 3.34
